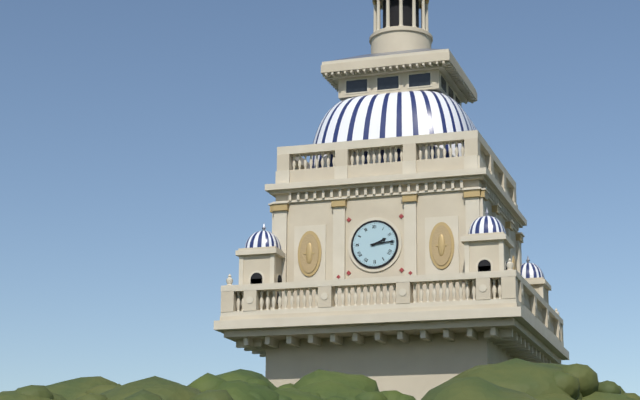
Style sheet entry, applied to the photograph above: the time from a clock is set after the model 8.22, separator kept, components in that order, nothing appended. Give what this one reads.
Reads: 2.14
